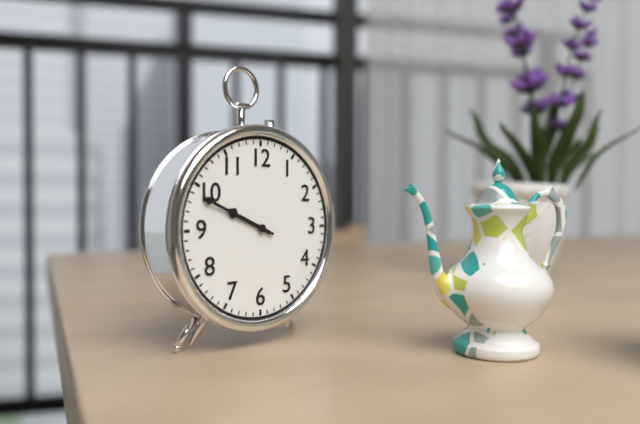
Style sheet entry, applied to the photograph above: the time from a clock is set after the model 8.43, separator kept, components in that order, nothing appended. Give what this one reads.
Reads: 9.49
